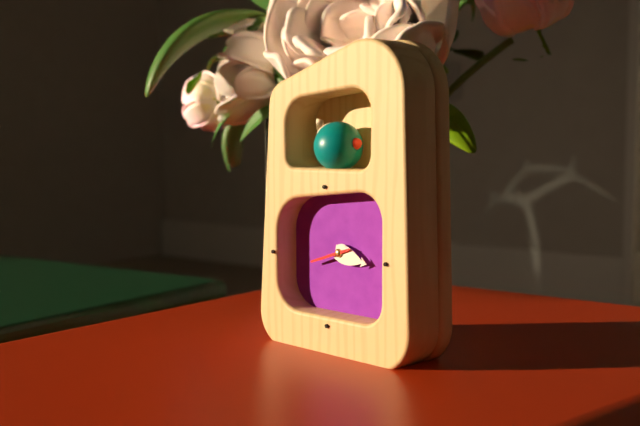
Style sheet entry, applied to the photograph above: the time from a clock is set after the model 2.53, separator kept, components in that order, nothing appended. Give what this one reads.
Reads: 3.17
